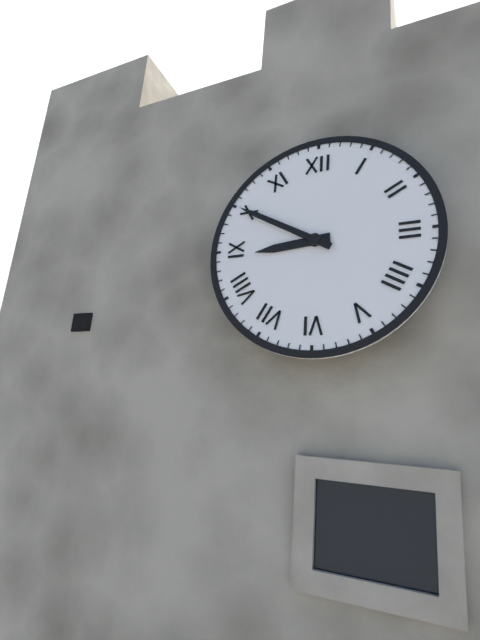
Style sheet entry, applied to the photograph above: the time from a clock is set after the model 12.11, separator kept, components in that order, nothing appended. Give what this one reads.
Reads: 8.50
